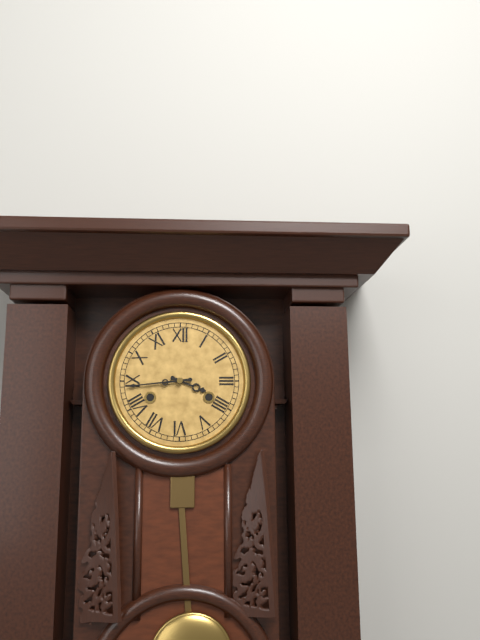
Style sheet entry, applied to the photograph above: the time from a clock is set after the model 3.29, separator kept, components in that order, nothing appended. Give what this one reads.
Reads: 3.44
